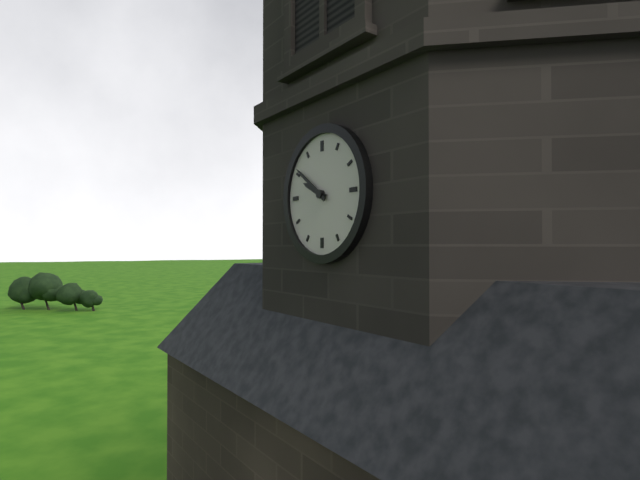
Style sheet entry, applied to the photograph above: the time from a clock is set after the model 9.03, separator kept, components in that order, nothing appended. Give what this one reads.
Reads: 9.51
